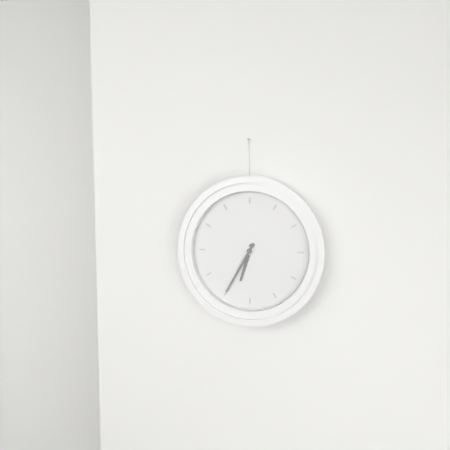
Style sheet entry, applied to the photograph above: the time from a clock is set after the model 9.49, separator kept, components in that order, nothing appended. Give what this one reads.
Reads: 6.35
